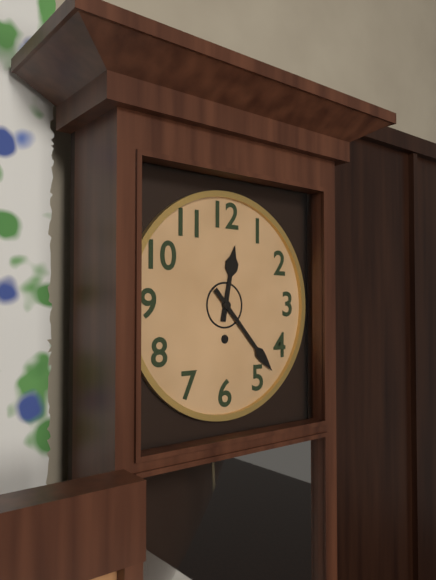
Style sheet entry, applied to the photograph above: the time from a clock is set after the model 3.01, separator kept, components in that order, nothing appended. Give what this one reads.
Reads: 12.23
